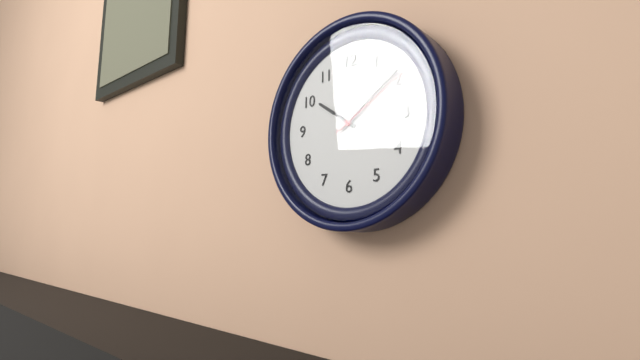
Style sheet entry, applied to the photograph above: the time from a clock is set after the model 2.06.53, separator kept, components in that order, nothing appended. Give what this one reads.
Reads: 10.09.10
